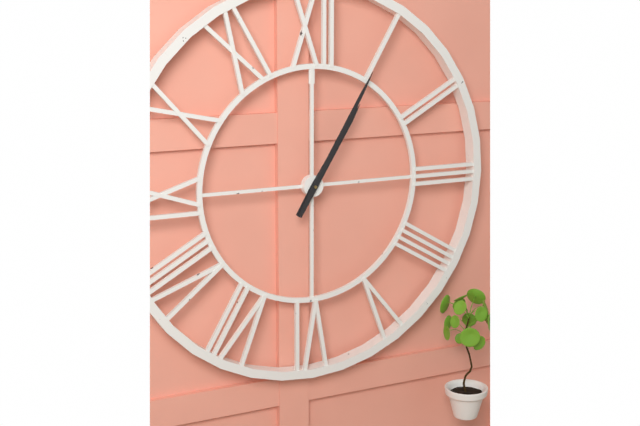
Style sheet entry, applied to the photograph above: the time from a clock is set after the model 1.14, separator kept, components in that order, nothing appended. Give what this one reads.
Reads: 1.05
